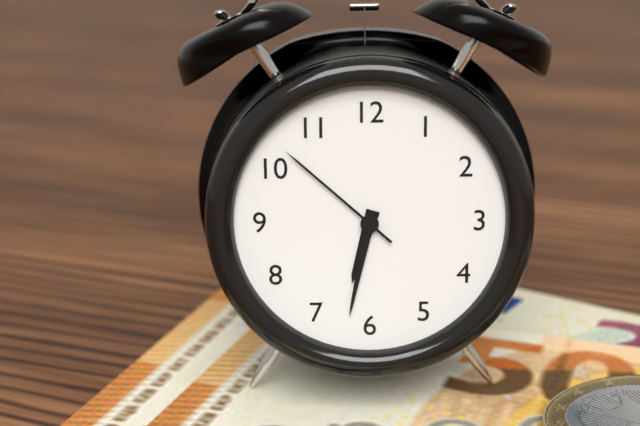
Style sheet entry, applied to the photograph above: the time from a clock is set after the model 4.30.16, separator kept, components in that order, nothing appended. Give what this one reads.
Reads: 6.32.52
